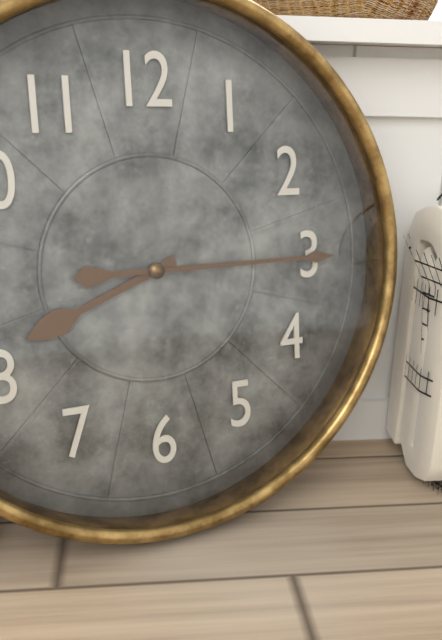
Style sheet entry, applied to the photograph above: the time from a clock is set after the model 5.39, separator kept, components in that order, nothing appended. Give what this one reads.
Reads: 8.15
